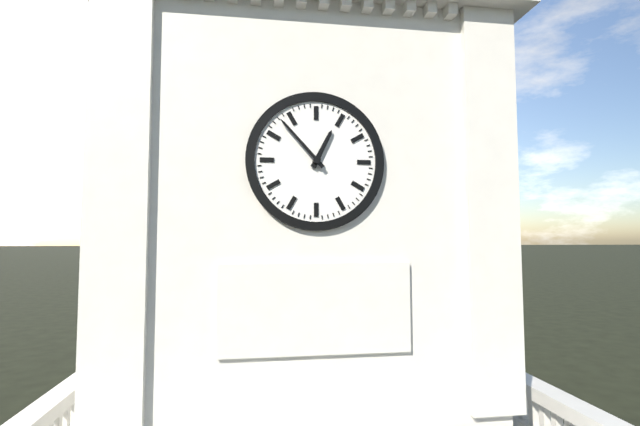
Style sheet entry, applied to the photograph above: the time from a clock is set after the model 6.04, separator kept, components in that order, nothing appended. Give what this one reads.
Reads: 12.53
